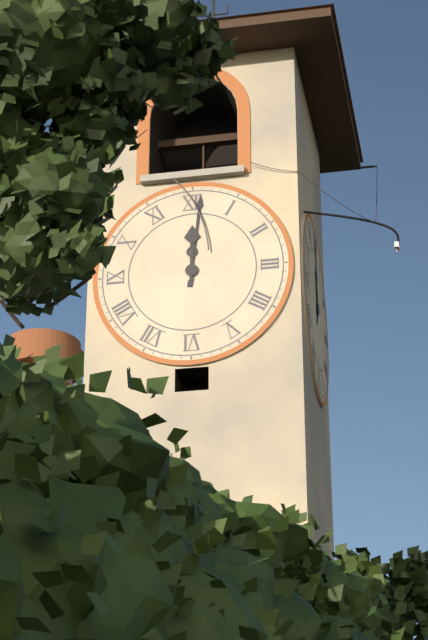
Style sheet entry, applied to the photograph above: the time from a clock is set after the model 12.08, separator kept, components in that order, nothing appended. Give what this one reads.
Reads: 12.01
